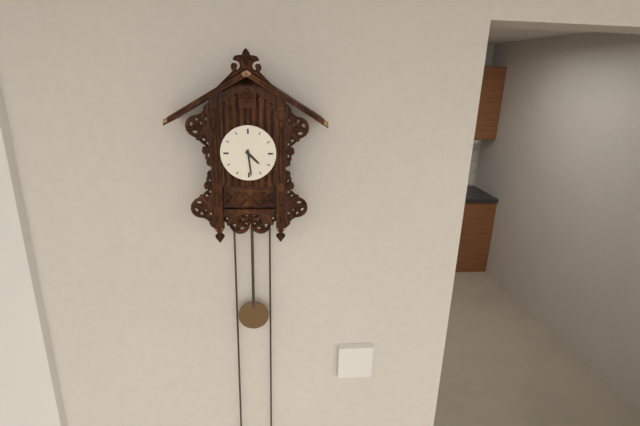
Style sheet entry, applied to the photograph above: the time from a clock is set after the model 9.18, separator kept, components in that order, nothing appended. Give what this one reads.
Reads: 4.29
